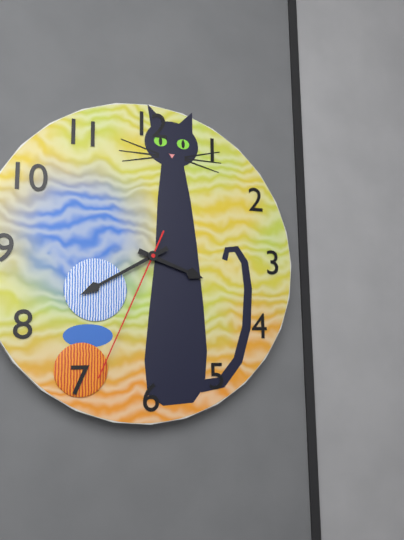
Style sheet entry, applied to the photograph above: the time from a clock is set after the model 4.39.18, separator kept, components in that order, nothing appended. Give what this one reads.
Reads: 3.40.34
